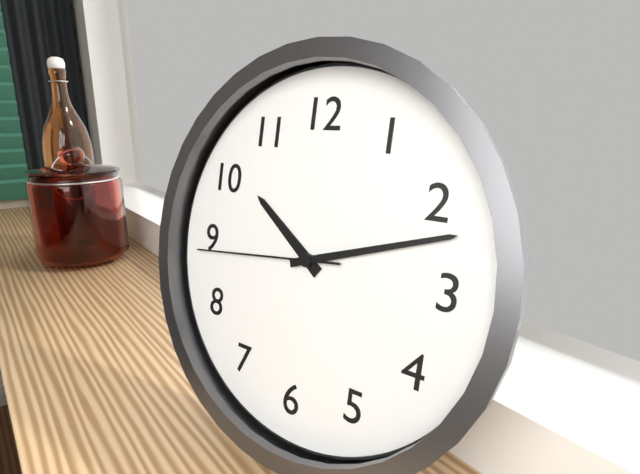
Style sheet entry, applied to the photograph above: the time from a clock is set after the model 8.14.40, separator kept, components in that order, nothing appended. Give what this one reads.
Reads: 10.12.44
